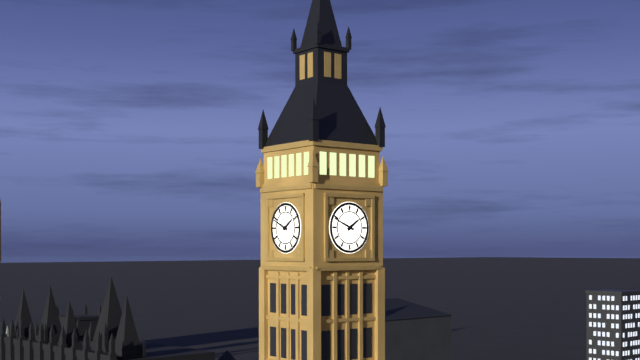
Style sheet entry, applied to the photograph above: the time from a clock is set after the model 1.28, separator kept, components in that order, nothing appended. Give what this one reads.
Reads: 1.49
